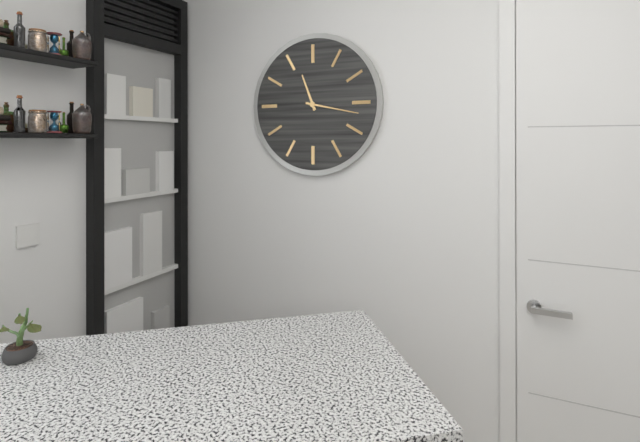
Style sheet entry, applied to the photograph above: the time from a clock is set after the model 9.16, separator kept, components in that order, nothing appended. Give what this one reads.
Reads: 11.17
